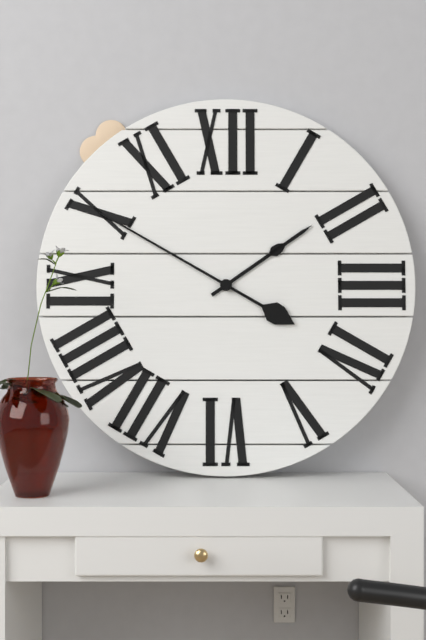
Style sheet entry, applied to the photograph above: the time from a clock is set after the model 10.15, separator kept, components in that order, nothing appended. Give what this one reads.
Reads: 1.50
